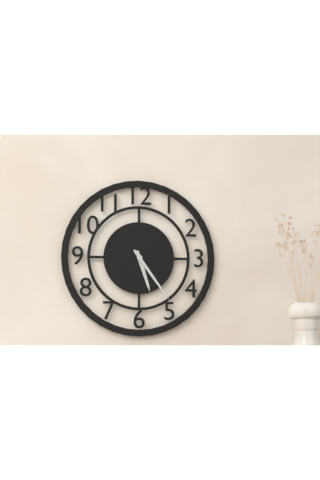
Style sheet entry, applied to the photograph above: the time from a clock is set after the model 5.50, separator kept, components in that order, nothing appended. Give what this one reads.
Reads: 5.24
